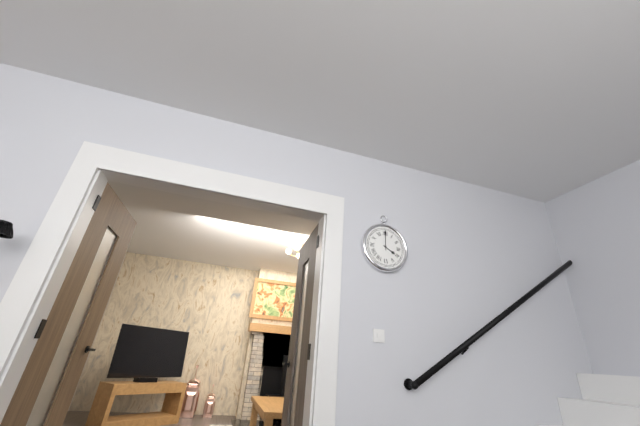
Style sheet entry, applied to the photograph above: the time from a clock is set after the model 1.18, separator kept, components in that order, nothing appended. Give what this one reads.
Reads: 4.00
